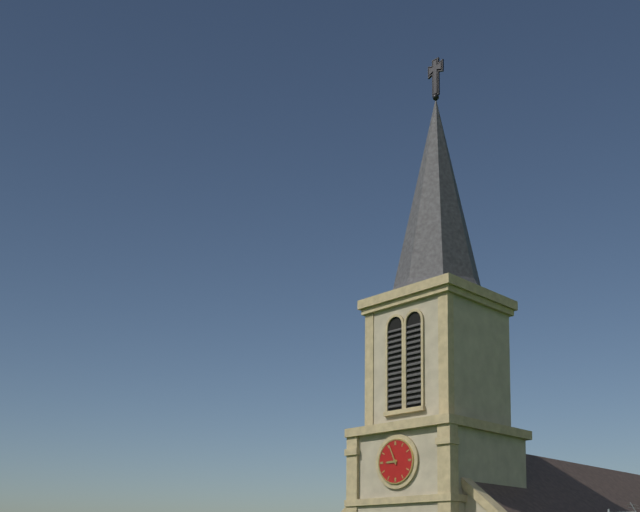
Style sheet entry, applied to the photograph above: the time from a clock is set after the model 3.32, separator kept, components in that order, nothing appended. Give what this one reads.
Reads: 8.56
